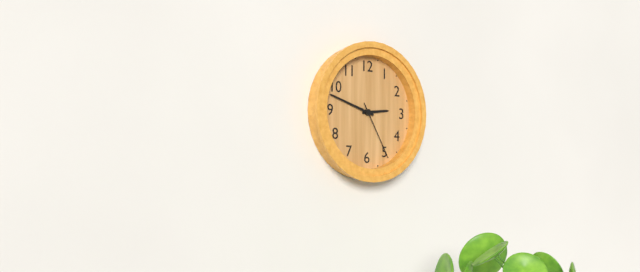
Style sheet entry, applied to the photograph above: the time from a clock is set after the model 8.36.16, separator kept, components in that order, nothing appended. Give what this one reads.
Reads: 2.48.25
